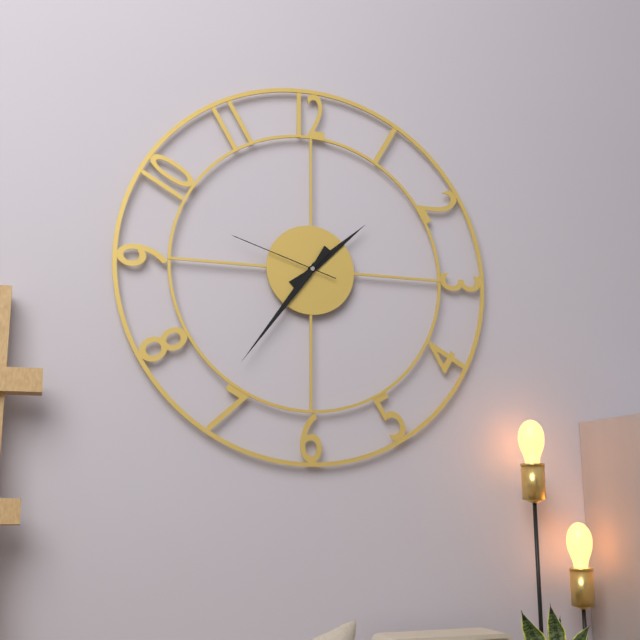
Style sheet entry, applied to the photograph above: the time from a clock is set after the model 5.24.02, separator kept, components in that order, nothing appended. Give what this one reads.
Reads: 1.36.48
